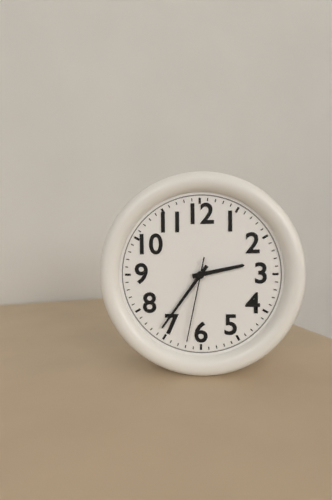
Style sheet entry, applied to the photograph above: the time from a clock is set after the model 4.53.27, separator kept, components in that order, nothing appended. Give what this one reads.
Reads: 2.36.32
